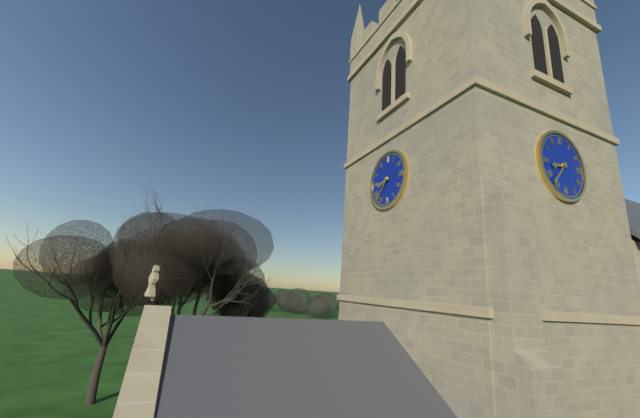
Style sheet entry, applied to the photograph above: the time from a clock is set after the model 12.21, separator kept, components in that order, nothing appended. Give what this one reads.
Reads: 8.37
